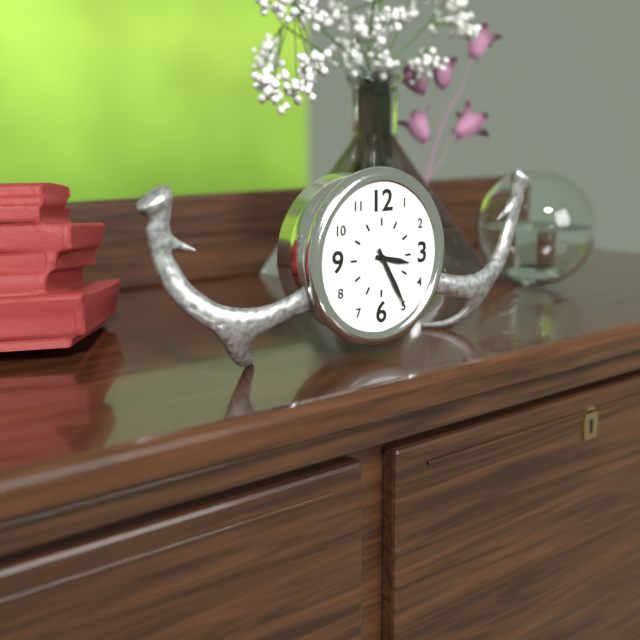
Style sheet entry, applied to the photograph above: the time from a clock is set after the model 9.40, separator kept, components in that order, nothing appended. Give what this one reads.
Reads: 3.25
